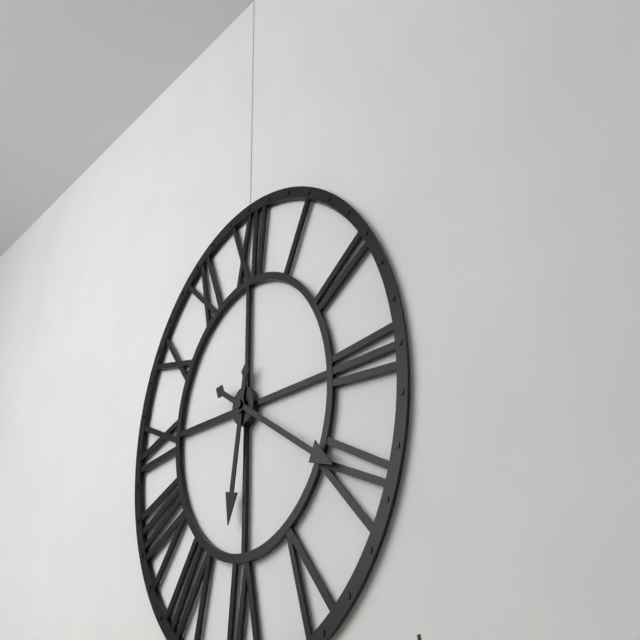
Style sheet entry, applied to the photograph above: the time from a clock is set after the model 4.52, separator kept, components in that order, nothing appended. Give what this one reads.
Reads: 6.20
